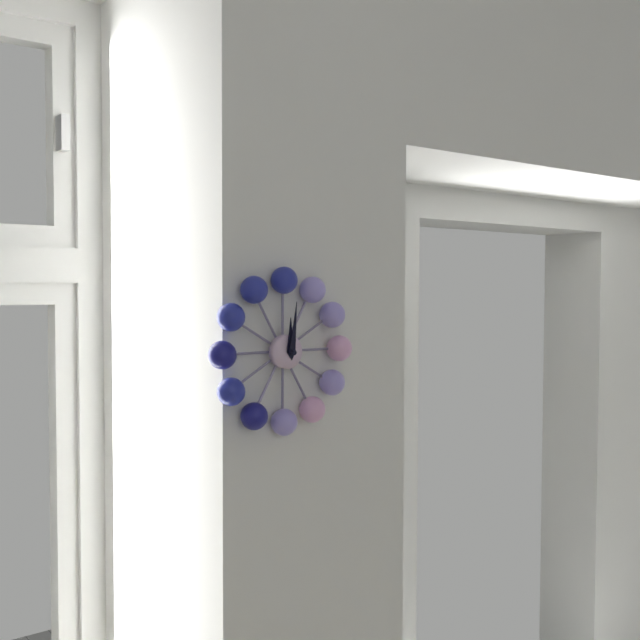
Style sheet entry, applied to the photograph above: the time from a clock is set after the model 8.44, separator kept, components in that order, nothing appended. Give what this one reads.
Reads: 12.01
